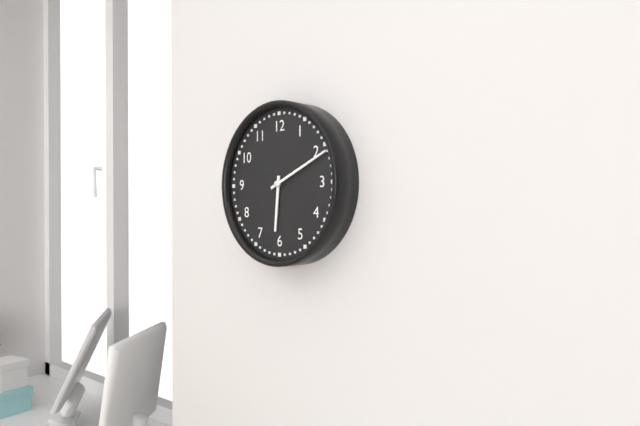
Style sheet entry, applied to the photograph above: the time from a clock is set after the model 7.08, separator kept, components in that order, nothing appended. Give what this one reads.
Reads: 6.11
